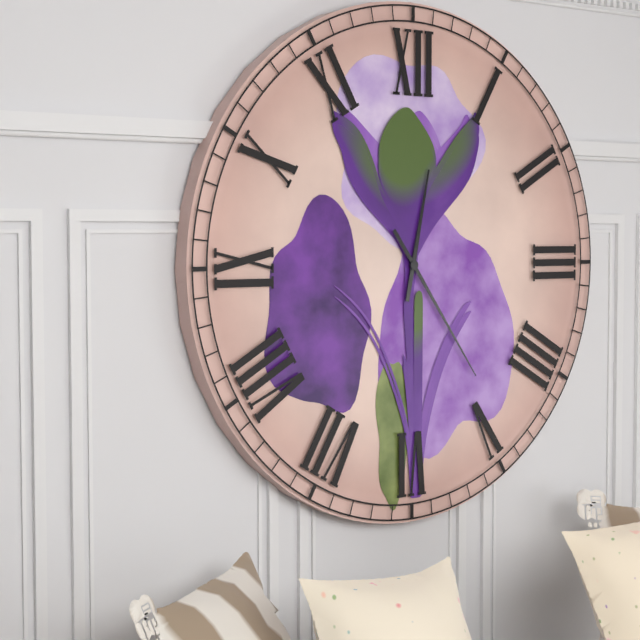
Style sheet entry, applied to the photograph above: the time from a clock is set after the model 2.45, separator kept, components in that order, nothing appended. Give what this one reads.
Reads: 12.24
